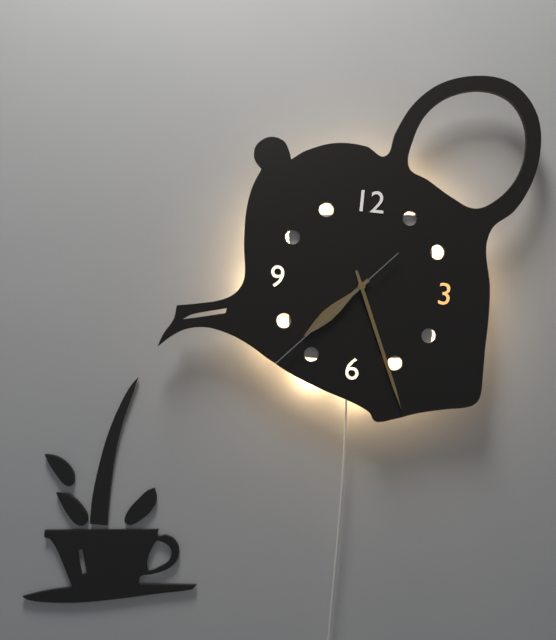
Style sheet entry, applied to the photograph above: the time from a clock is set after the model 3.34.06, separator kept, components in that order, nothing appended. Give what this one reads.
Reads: 7.26.37
